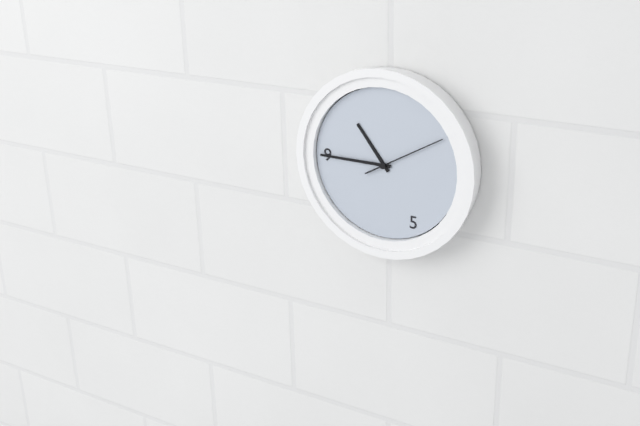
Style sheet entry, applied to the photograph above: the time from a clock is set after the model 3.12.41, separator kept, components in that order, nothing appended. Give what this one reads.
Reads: 10.45.10
